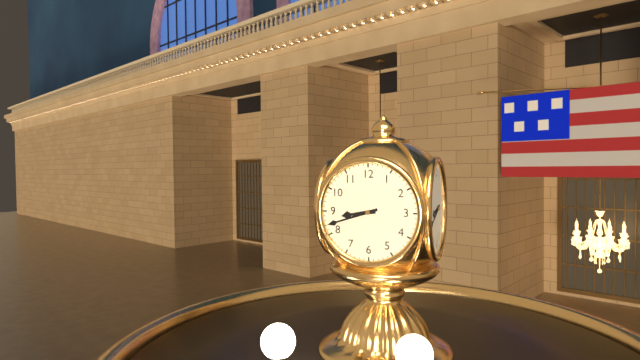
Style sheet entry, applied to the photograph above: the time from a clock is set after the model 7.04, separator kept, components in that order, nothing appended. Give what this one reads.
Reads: 8.42
